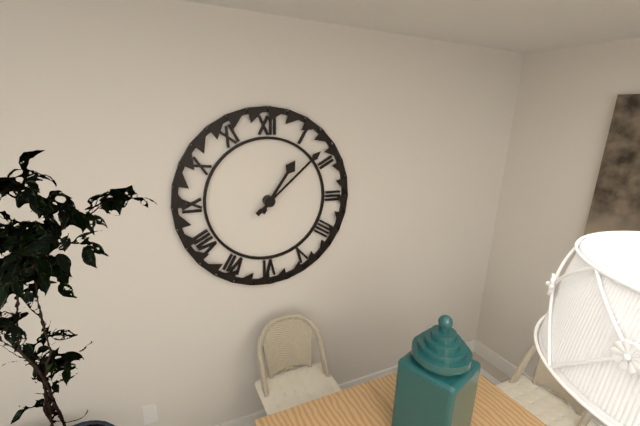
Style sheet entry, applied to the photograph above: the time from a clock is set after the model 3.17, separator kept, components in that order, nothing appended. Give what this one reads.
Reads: 1.08
